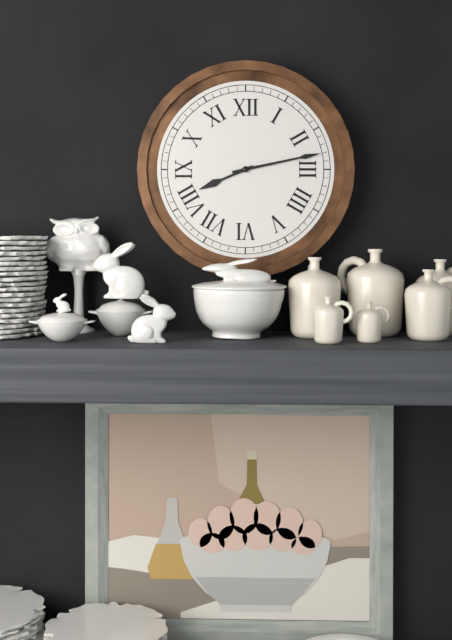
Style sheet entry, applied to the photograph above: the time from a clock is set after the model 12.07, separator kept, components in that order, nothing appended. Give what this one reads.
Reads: 8.13
